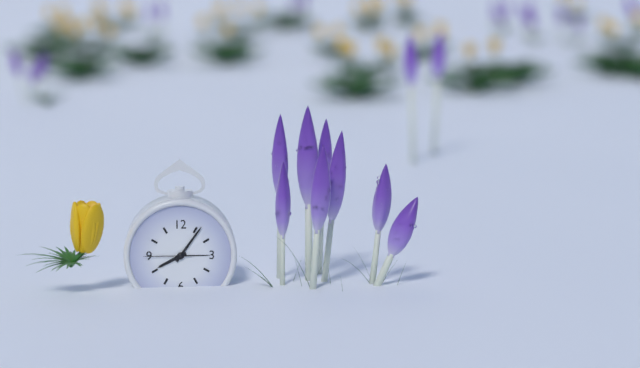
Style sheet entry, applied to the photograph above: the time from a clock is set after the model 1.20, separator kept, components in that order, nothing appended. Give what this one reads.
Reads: 8.06
